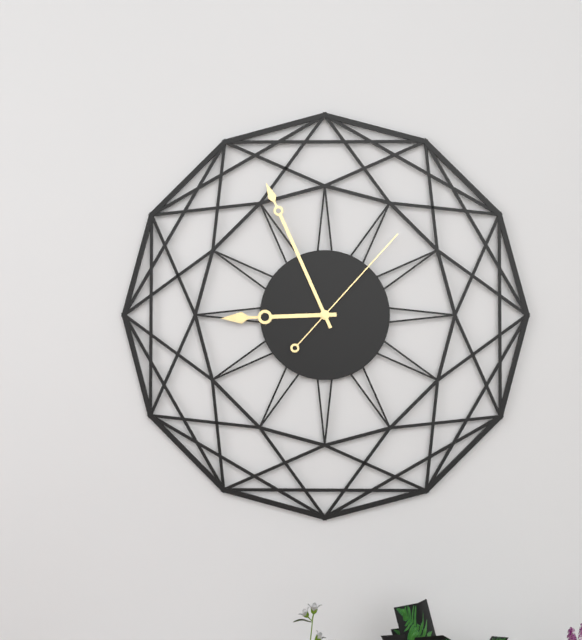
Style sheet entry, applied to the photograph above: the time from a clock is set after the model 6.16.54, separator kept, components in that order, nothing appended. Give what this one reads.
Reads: 8.56.07
